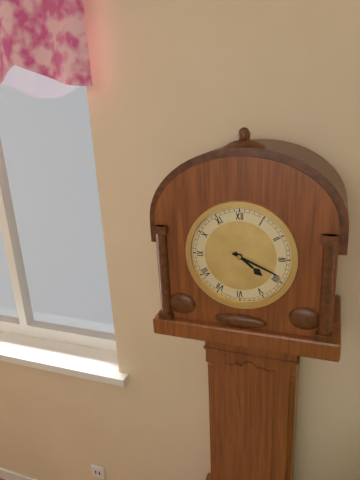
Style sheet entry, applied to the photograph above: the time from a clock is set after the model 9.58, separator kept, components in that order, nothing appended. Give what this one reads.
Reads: 4.19
